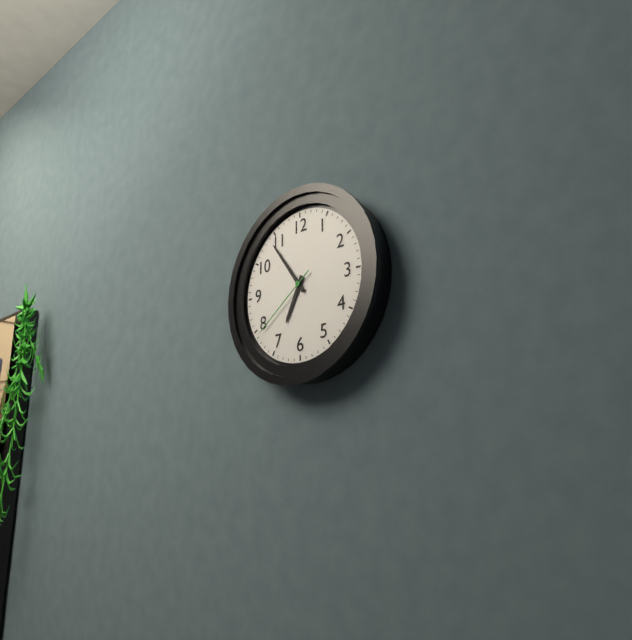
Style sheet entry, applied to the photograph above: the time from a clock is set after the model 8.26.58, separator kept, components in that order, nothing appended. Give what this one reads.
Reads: 6.54.39
